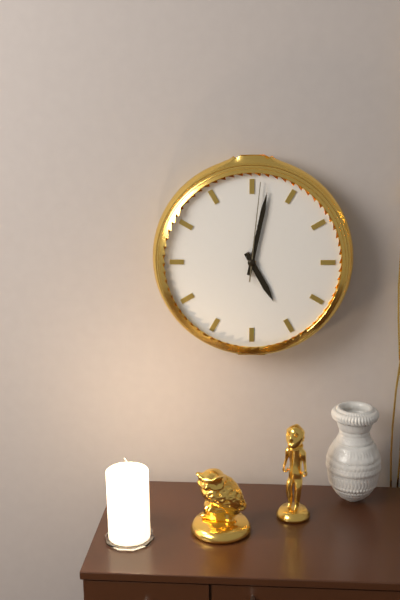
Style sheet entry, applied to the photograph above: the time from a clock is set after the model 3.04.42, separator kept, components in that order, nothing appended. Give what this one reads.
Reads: 5.02.01
